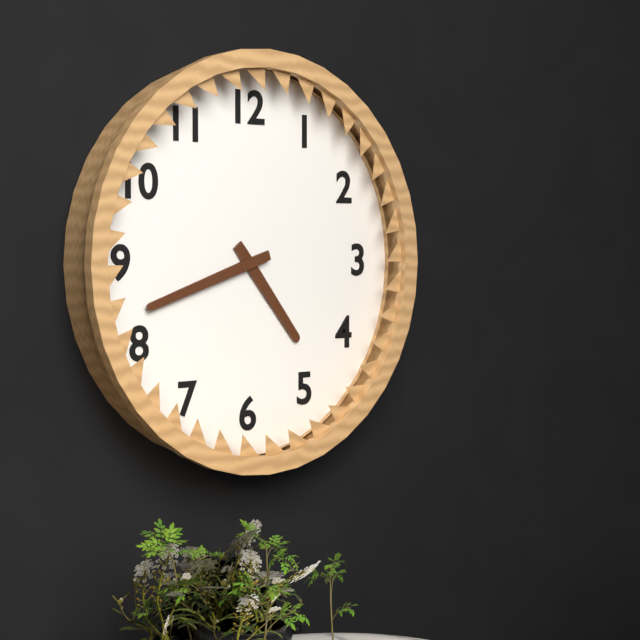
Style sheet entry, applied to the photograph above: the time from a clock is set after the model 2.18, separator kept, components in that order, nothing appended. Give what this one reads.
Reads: 4.42
